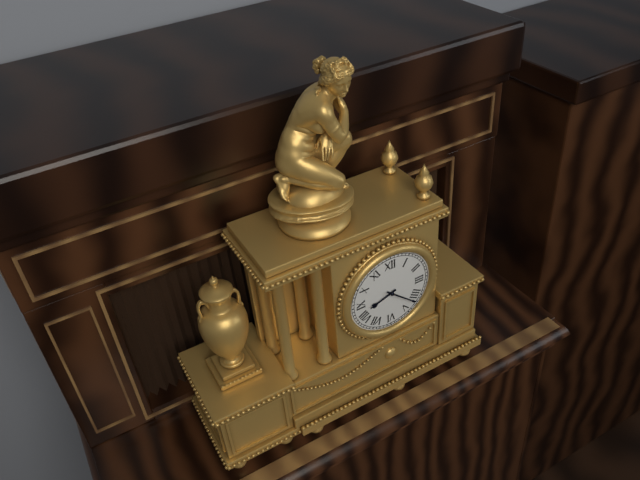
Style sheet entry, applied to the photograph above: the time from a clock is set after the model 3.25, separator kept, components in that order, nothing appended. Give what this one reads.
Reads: 8.22
